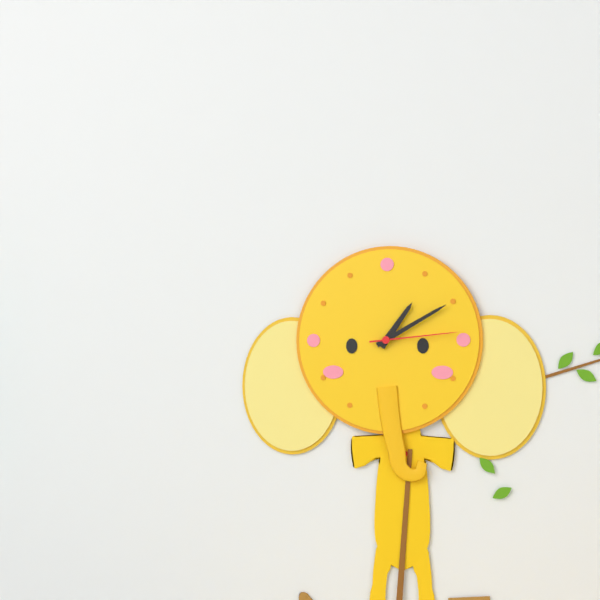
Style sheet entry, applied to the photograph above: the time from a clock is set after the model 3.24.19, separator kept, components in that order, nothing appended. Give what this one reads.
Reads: 1.10.14
